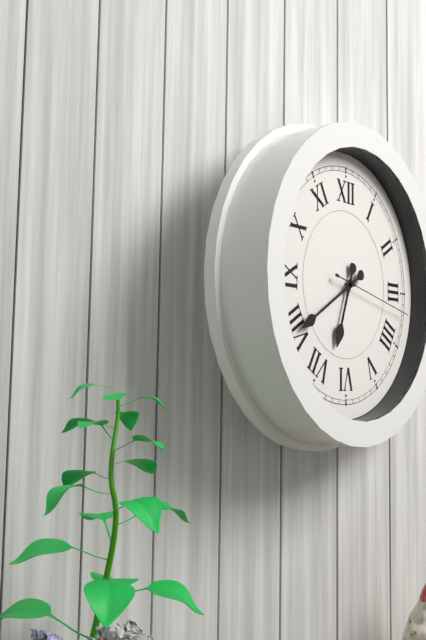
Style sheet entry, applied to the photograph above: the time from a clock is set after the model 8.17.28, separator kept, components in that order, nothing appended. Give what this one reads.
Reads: 6.40.17
